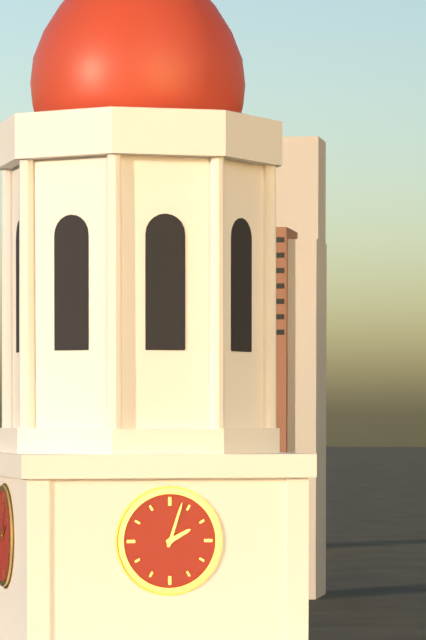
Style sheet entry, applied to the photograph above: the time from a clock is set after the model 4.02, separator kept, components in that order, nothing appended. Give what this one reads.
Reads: 2.03
